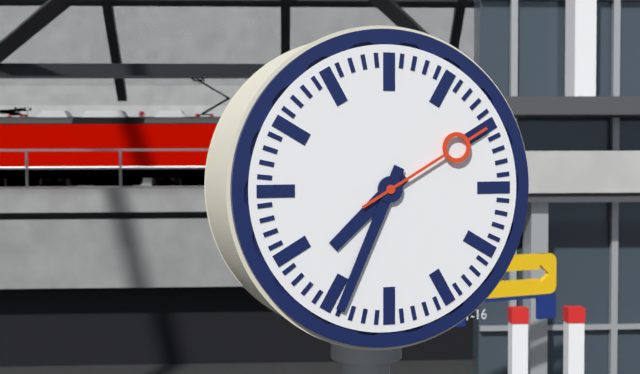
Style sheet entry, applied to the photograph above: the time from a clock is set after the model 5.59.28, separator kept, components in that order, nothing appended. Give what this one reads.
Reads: 7.34.10
